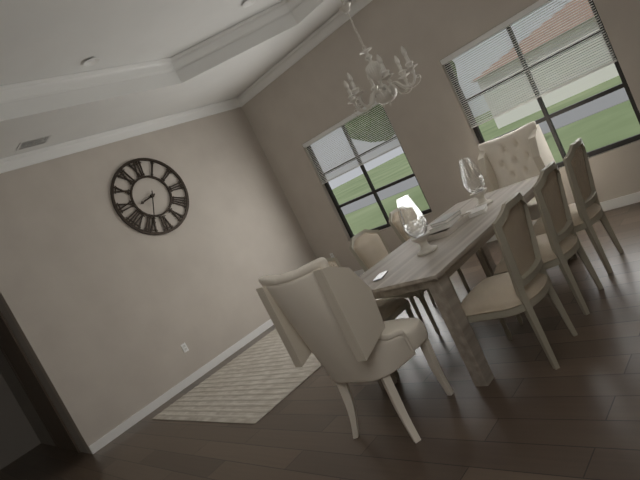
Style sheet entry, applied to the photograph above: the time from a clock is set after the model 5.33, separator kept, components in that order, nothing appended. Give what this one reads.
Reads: 8.34
